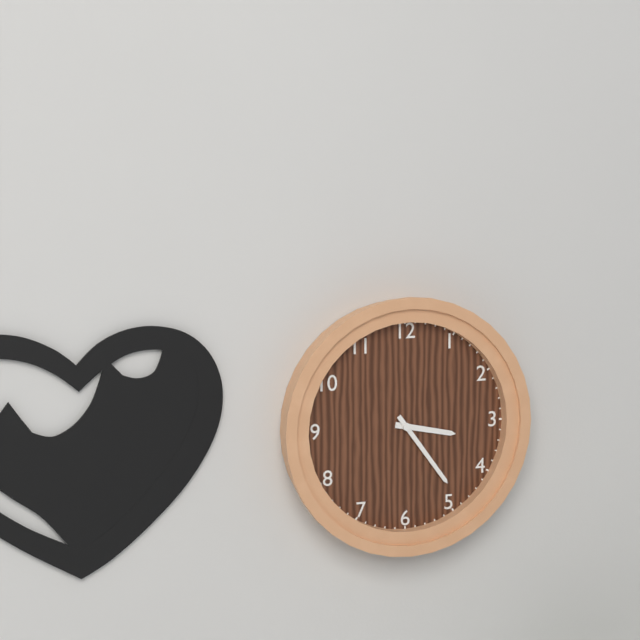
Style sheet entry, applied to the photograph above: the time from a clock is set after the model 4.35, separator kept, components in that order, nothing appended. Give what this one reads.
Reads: 3.24
